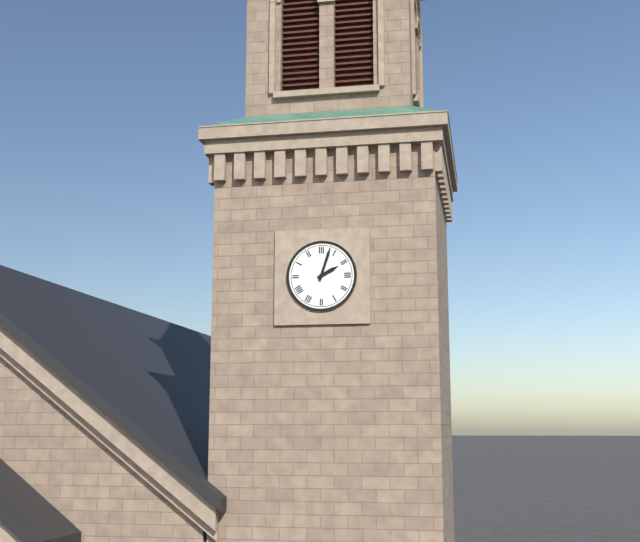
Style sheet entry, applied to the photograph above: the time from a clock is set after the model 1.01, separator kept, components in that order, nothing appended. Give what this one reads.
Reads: 2.03
